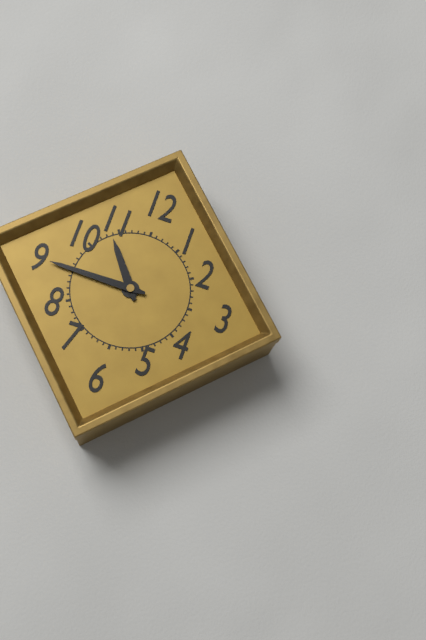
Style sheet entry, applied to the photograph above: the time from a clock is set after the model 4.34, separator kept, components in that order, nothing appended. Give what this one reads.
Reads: 10.45
